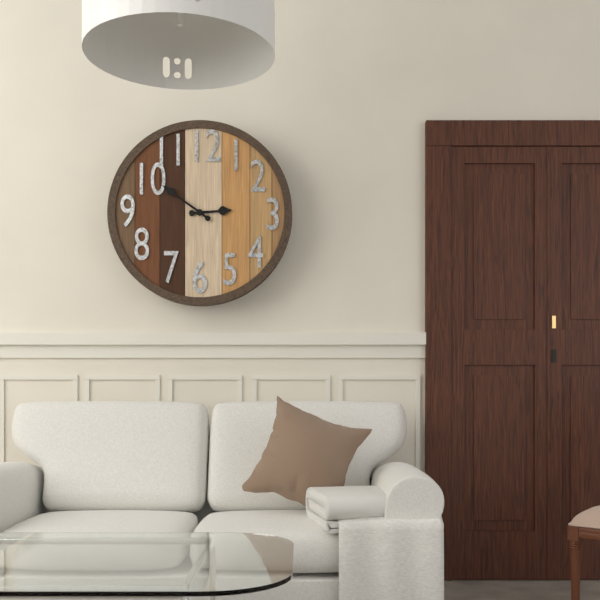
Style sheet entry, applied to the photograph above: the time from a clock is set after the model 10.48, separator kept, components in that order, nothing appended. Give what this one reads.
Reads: 2.51
